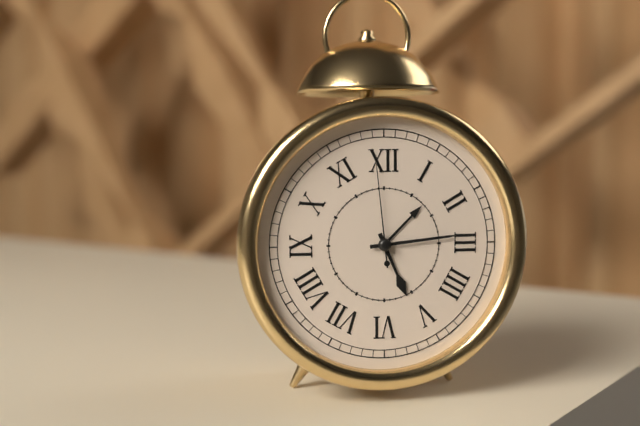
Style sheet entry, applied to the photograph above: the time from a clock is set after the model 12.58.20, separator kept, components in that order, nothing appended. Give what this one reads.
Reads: 5.14.59
